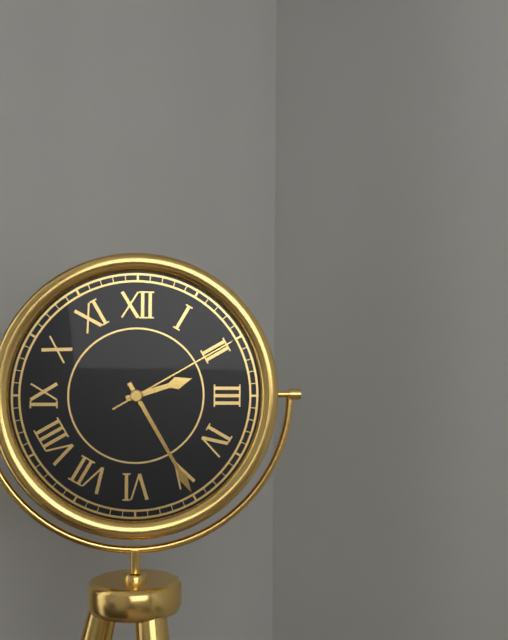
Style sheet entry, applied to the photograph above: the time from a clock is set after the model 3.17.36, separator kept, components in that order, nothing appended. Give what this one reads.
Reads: 2.25.10
